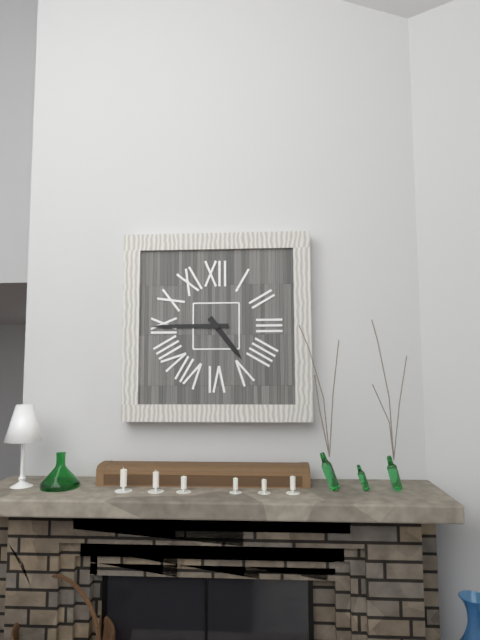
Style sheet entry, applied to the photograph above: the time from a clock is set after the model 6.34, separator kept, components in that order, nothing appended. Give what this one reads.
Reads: 4.45
